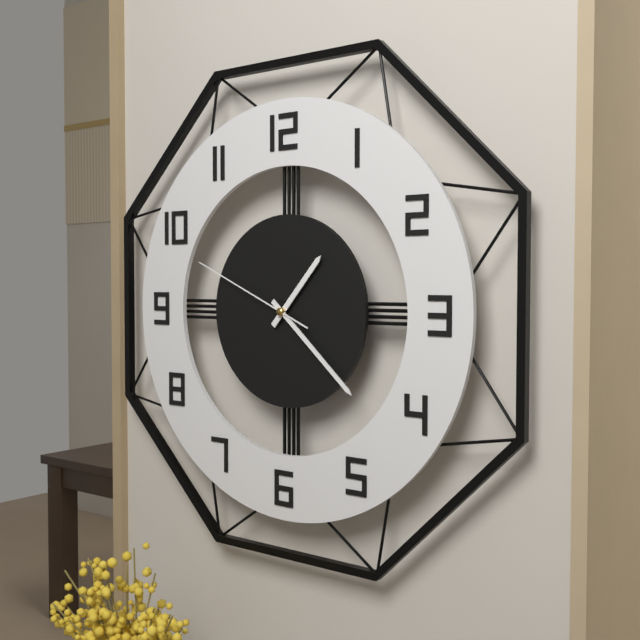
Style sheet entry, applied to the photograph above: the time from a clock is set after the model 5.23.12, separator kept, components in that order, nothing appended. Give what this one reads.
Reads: 1.22.49
